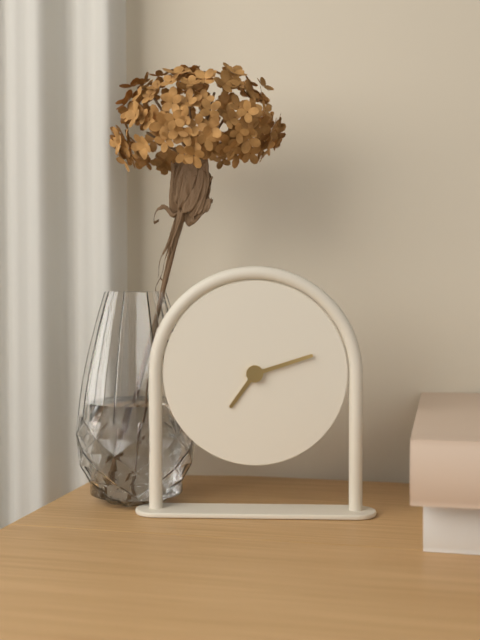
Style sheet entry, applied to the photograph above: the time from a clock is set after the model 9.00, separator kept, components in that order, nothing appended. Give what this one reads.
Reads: 7.12
